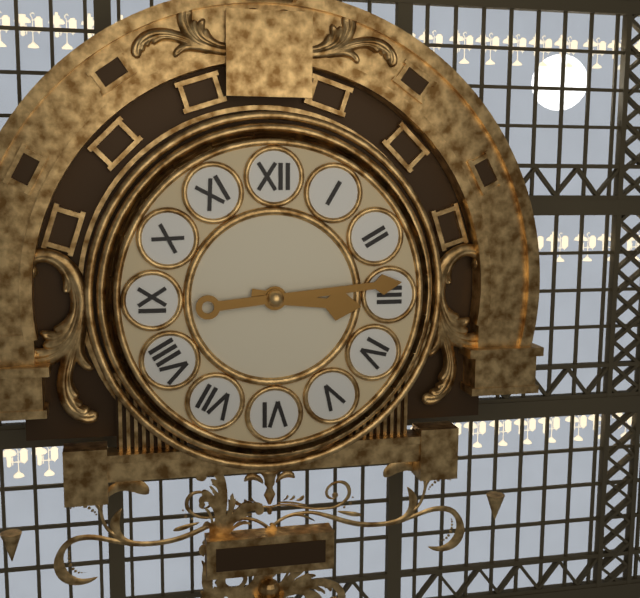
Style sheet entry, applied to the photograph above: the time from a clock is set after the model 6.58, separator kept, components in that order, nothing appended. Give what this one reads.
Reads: 3.14
